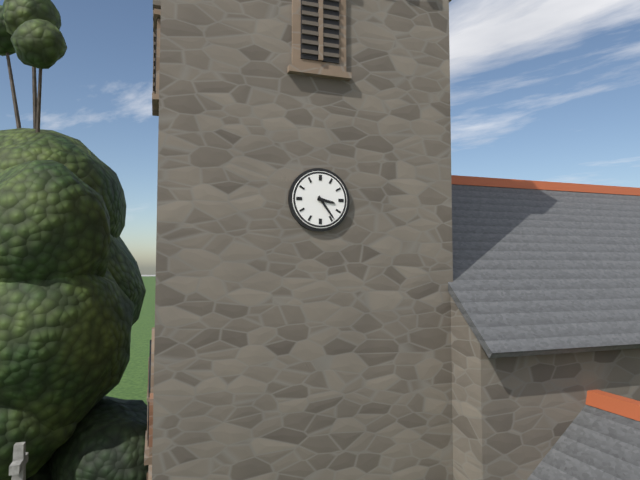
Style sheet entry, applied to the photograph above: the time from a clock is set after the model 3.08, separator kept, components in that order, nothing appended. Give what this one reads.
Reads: 3.24
